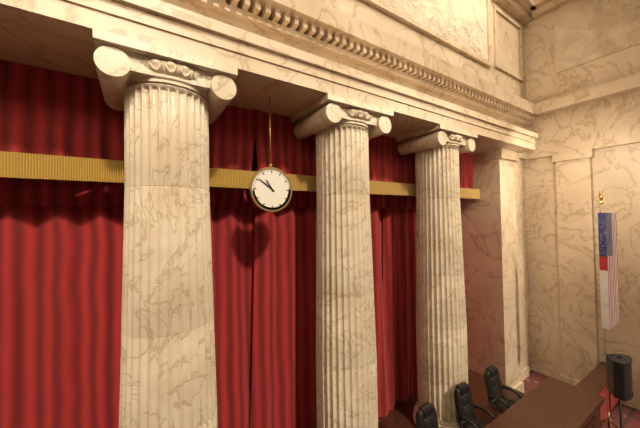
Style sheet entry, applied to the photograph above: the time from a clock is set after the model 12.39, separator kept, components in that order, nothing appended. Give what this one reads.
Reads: 10.51
